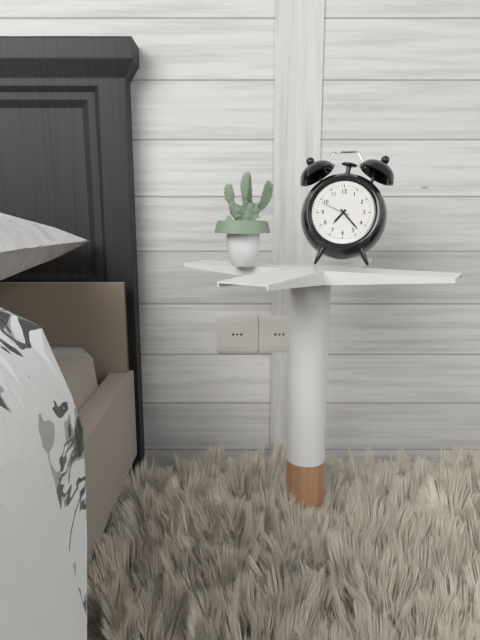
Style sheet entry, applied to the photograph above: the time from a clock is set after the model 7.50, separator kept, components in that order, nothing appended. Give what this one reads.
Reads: 7.23
